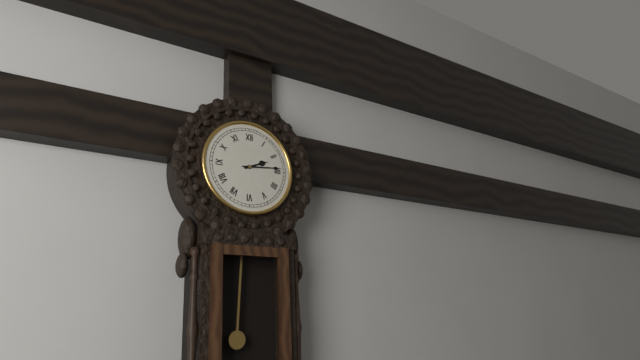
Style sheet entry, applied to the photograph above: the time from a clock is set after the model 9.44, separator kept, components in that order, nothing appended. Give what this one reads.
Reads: 2.14
